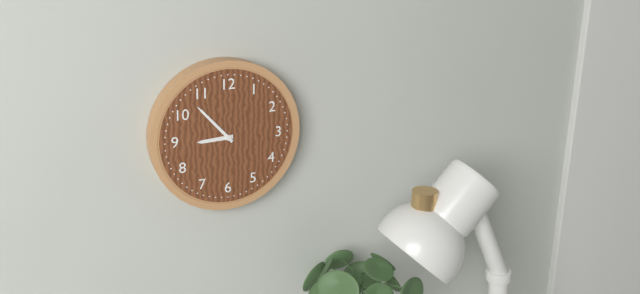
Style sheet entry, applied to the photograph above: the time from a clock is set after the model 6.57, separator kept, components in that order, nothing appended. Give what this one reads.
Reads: 8.53
